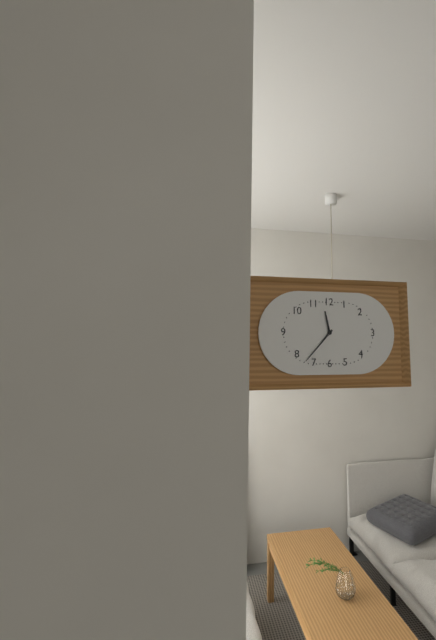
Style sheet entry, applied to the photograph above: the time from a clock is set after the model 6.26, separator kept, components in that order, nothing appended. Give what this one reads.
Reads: 11.37
